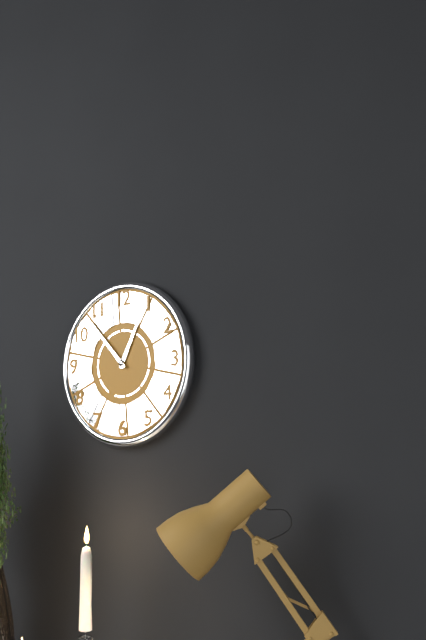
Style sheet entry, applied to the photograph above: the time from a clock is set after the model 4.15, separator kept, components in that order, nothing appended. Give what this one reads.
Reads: 12.53
